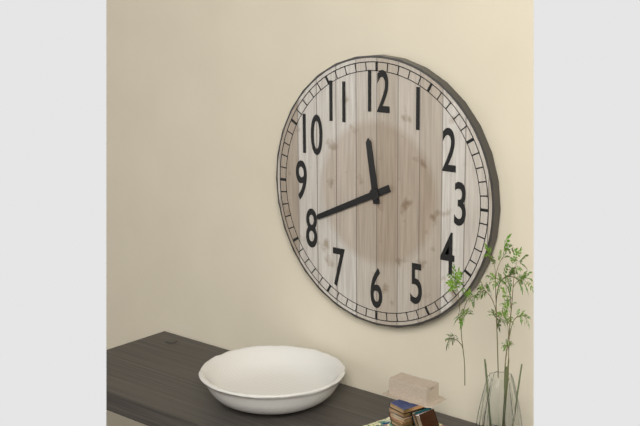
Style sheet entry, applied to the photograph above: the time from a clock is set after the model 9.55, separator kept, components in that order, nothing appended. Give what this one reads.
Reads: 11.41
